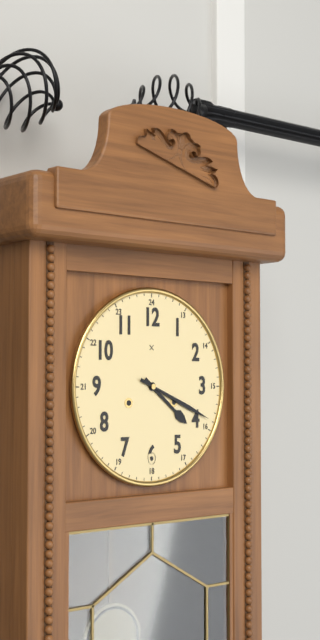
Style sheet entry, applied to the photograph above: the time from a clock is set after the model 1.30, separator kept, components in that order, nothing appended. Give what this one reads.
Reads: 4.19
